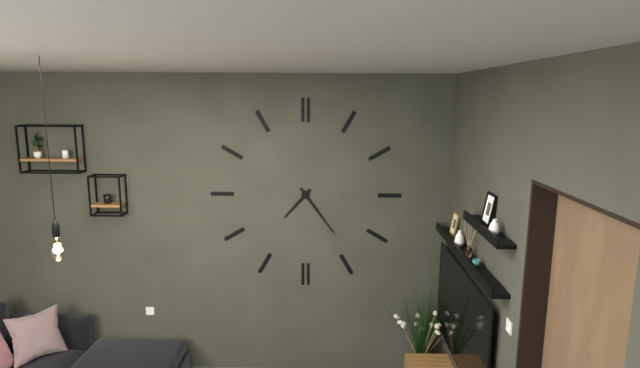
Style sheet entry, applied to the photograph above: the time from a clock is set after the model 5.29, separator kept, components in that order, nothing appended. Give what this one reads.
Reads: 7.24
